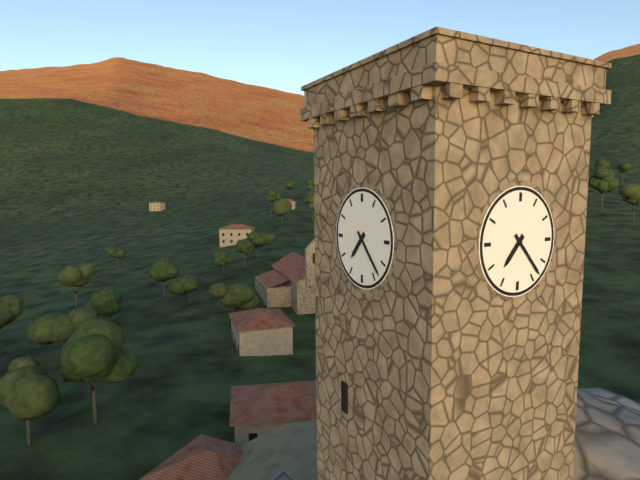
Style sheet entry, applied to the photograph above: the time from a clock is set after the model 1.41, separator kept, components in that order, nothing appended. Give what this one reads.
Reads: 7.23
